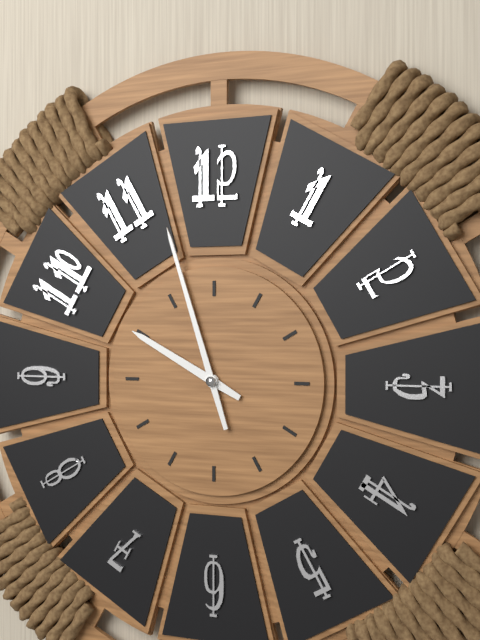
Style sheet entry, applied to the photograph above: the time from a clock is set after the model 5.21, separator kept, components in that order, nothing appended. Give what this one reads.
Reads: 9.57
